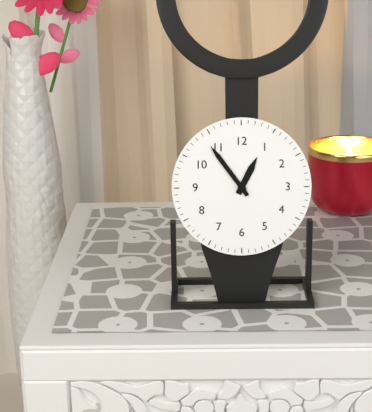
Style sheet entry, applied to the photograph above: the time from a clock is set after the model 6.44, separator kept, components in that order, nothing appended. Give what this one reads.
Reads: 12.54
